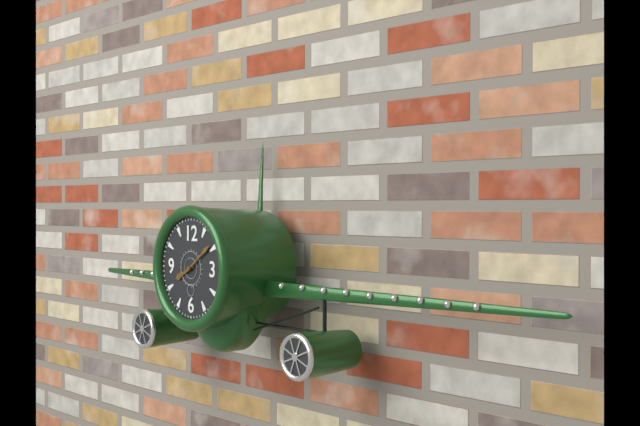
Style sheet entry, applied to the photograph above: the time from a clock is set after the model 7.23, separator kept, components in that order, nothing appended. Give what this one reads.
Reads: 8.09
